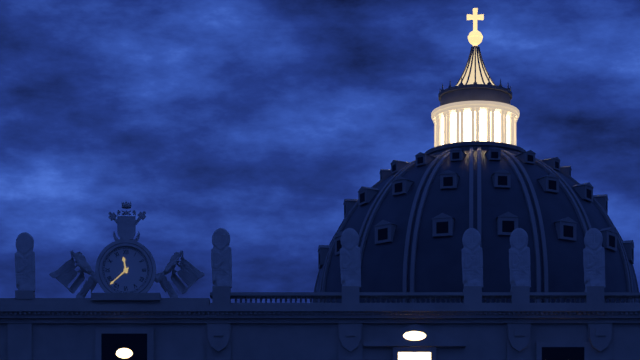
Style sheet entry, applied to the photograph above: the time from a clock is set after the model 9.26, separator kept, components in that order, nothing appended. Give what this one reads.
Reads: 11.38
